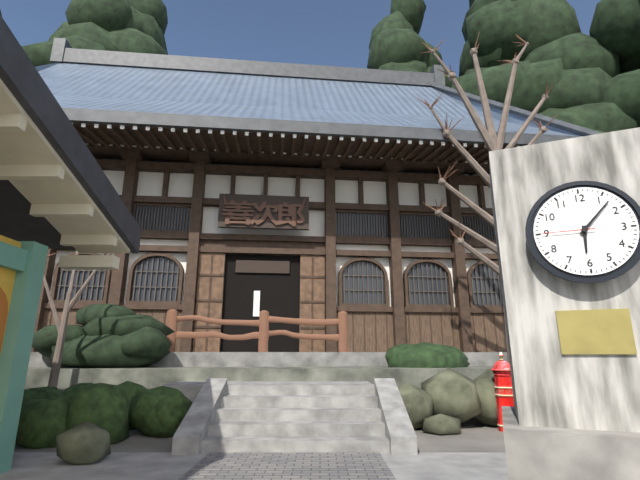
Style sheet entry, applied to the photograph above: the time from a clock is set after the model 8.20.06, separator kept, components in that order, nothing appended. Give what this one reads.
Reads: 6.07.45
